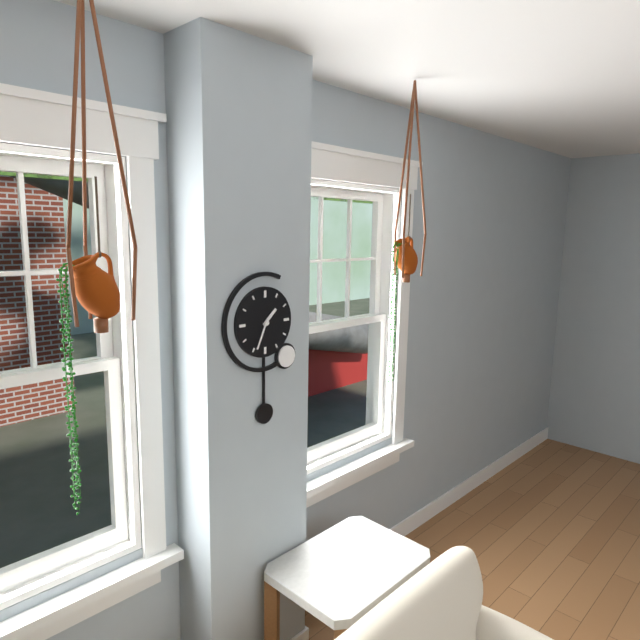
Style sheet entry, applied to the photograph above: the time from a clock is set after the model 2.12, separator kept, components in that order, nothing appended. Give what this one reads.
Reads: 1.34
